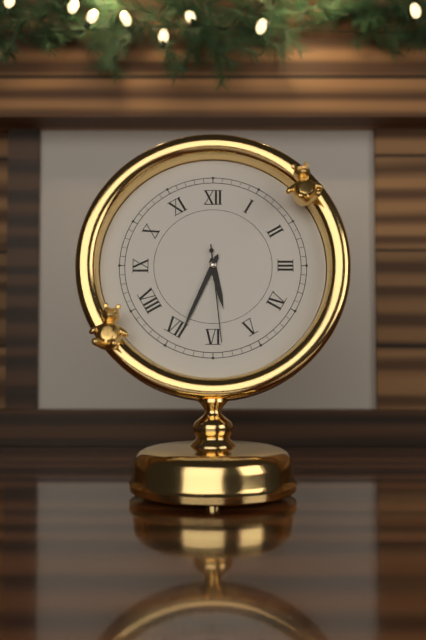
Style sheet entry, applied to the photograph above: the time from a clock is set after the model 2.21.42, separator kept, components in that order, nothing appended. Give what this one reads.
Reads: 5.34.29
